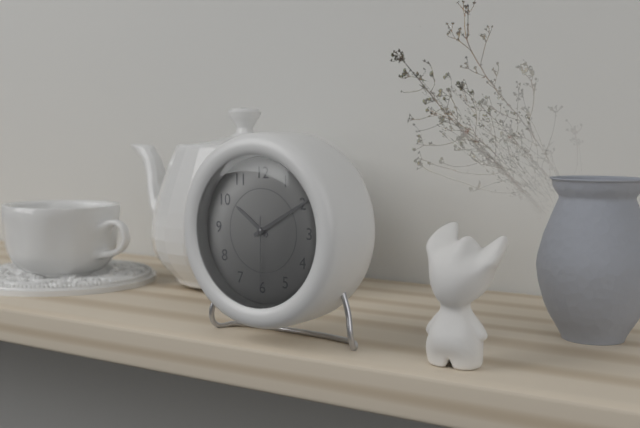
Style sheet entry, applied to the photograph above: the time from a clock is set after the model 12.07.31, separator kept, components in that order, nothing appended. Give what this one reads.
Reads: 10.10.30
